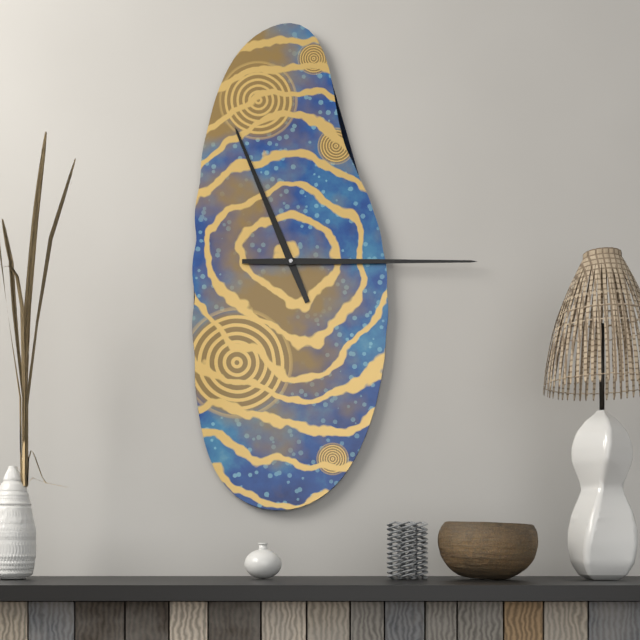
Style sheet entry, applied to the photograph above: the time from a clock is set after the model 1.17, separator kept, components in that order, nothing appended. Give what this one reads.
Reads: 11.15
